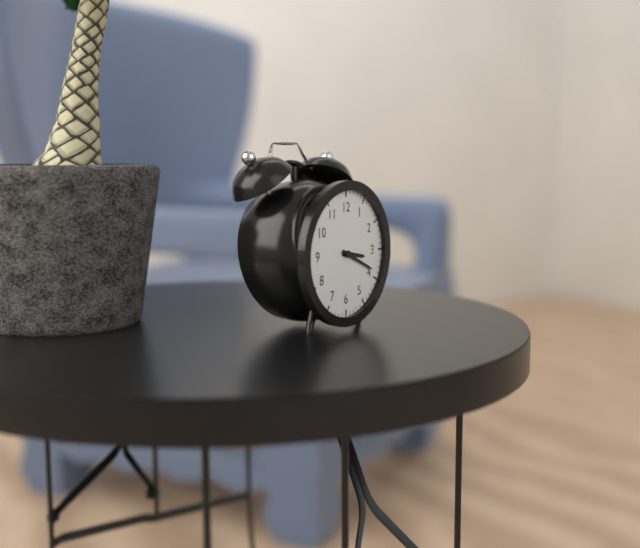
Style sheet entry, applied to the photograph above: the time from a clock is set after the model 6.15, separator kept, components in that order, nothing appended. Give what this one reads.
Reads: 3.19
